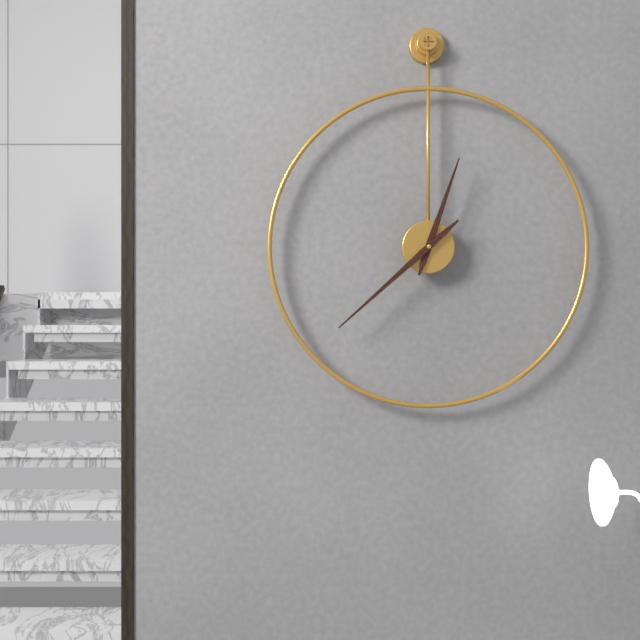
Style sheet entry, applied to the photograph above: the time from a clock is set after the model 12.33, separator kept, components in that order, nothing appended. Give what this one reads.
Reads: 12.38
